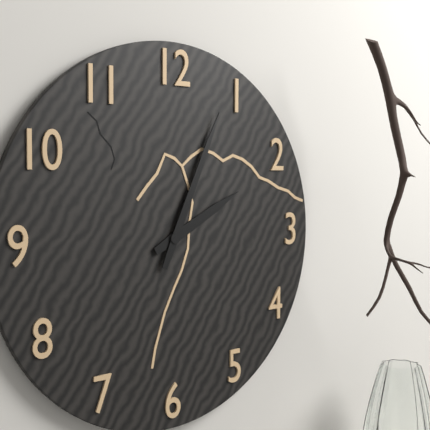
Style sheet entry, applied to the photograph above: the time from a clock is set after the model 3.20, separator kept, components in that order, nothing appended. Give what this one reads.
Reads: 2.04
